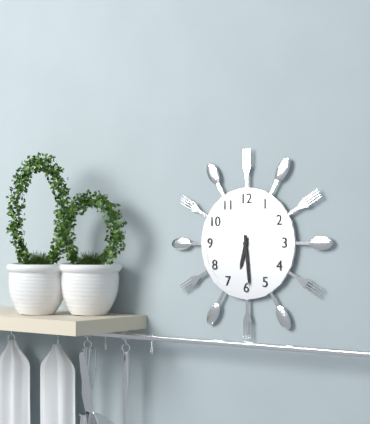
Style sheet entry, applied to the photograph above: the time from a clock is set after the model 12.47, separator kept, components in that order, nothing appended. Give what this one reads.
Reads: 6.29
